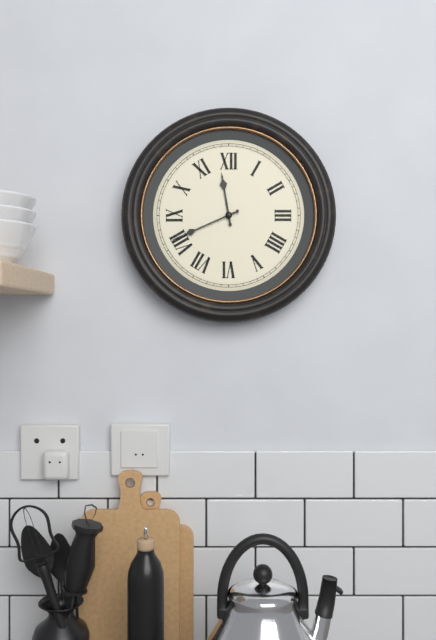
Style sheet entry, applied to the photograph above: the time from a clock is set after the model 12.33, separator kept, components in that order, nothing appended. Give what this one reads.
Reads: 11.41
